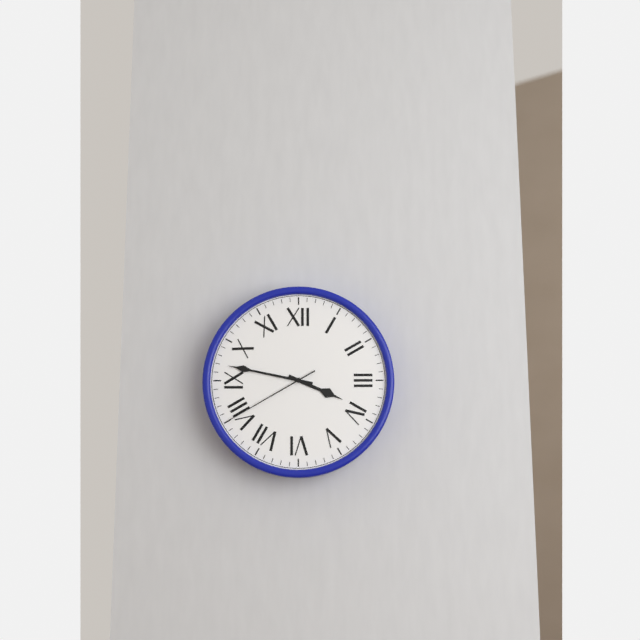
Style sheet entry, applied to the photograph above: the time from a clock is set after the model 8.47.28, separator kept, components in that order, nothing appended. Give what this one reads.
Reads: 3.47.40
